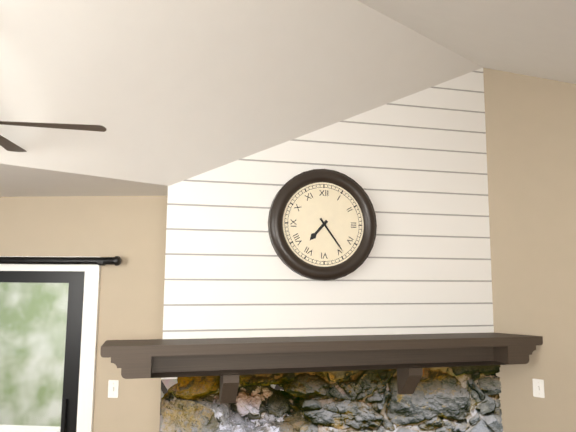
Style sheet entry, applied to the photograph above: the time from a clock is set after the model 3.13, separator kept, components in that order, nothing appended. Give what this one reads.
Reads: 7.24
